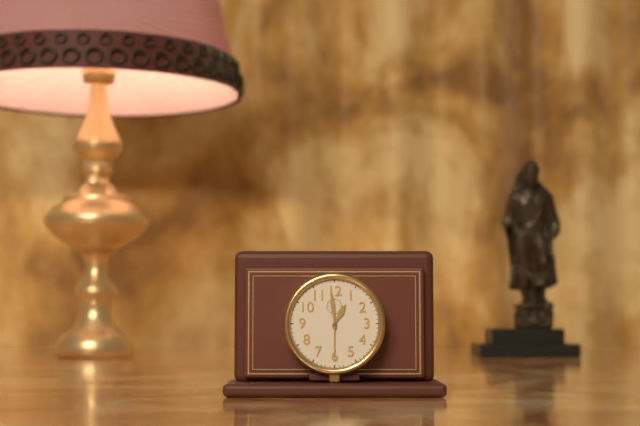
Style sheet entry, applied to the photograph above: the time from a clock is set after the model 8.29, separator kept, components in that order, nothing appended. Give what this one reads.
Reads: 12.59
